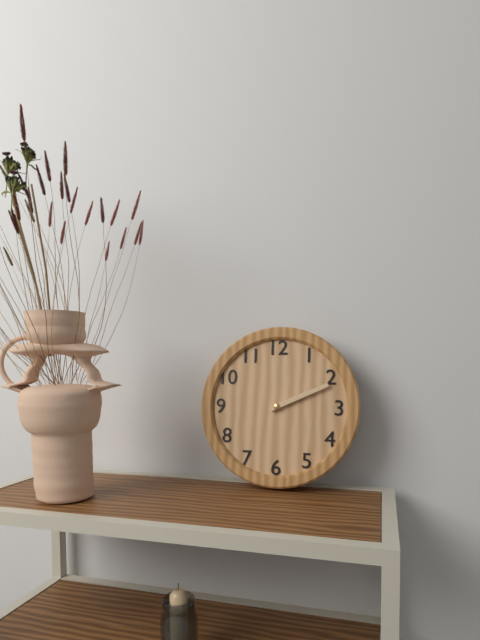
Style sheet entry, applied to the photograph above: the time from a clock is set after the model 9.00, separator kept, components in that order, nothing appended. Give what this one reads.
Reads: 2.11
